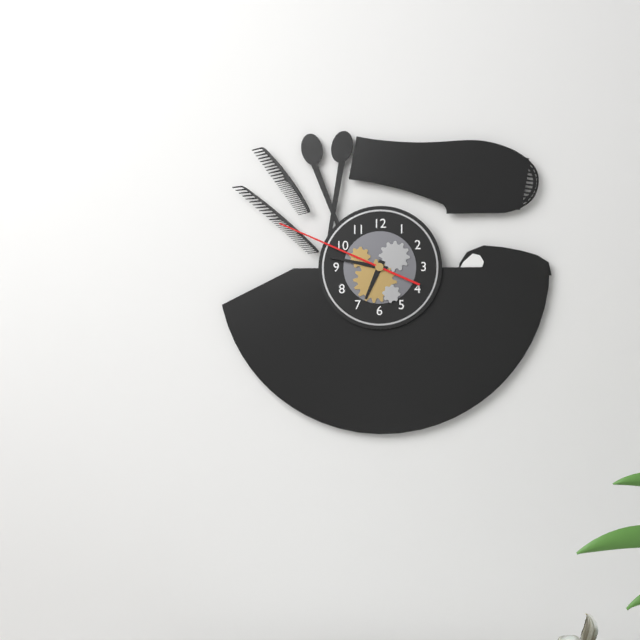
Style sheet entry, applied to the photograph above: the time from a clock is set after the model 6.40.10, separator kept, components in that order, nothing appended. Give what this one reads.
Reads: 6.47.49
